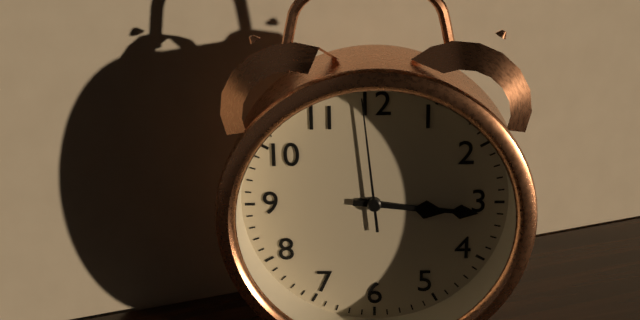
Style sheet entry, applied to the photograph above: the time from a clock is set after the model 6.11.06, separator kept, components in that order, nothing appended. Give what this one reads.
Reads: 3.16.59
